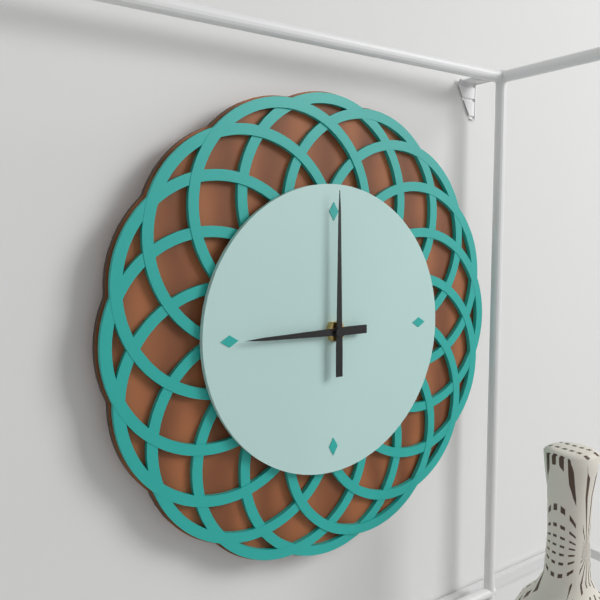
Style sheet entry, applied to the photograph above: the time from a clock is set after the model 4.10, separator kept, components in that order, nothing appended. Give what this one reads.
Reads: 9.00
